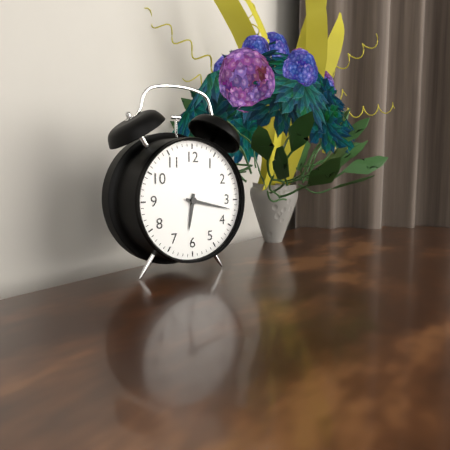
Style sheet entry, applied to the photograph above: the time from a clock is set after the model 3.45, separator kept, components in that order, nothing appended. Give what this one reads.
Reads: 6.17
